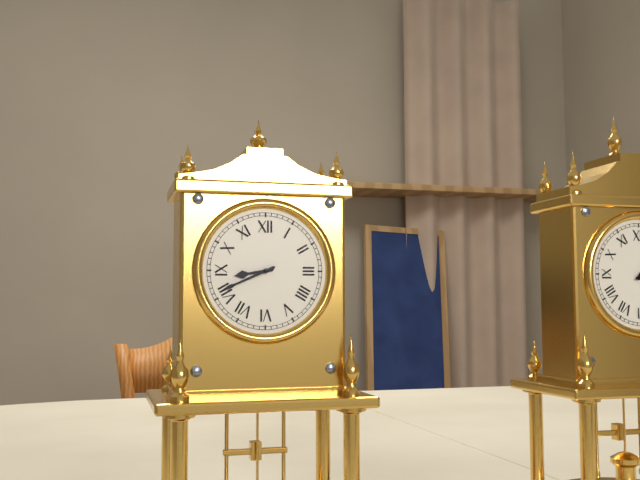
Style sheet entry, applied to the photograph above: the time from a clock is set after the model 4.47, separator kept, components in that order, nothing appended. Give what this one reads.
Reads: 8.41
